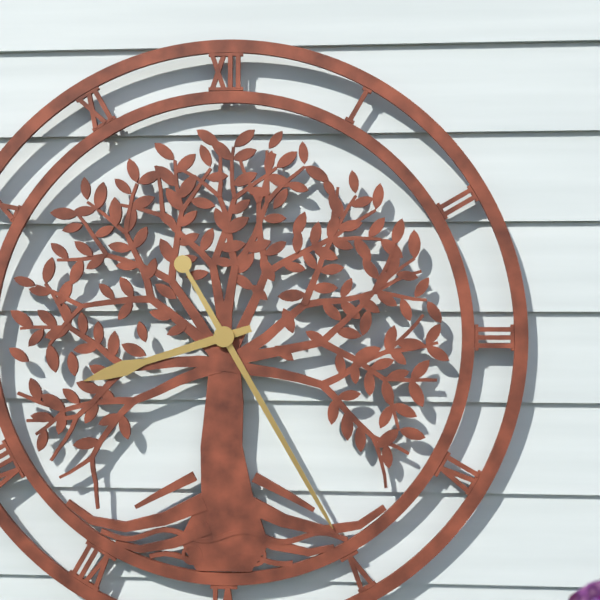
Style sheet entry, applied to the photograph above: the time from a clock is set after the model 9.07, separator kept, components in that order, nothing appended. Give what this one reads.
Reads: 8.25
